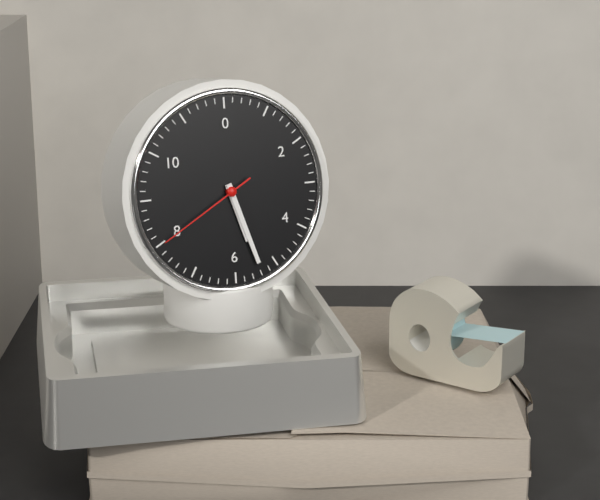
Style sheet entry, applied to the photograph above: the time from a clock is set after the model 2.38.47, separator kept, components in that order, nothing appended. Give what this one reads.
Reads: 5.27.40
